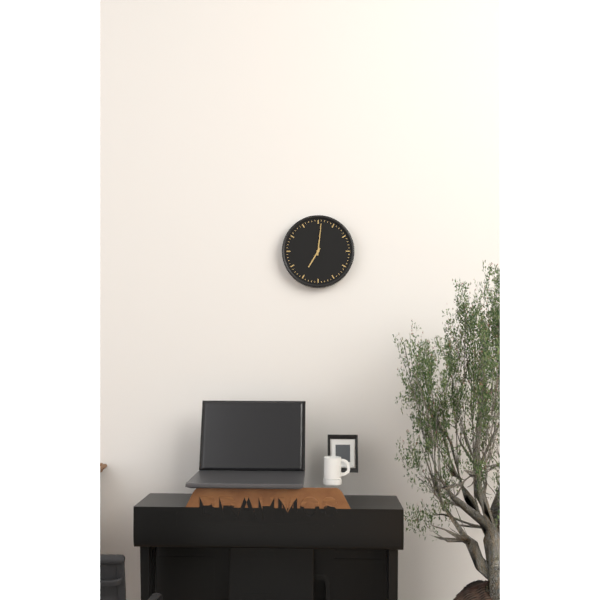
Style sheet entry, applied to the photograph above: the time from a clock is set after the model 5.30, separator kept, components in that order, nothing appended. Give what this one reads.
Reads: 7.01
